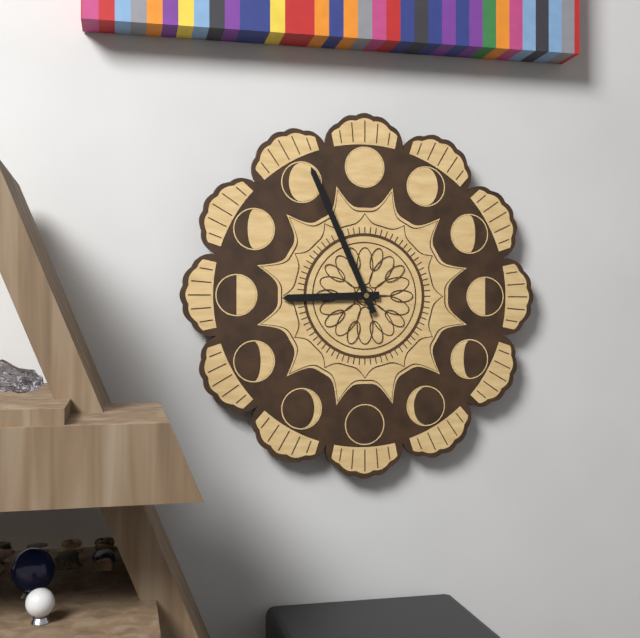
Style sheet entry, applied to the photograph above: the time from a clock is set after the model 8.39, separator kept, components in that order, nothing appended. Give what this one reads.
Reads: 8.56
